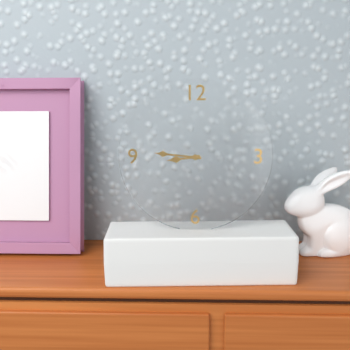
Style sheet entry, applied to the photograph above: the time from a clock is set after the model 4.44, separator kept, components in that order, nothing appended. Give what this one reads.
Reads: 8.46
